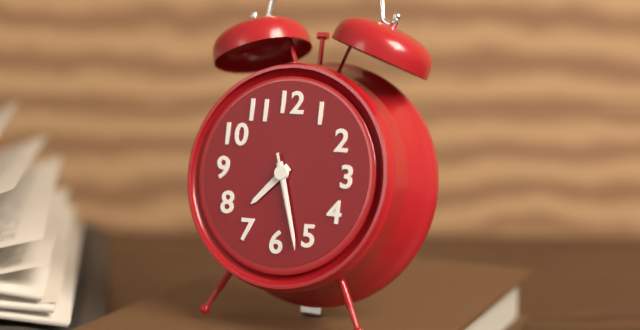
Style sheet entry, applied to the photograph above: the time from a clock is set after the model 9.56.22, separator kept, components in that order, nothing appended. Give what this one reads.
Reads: 7.27.27
